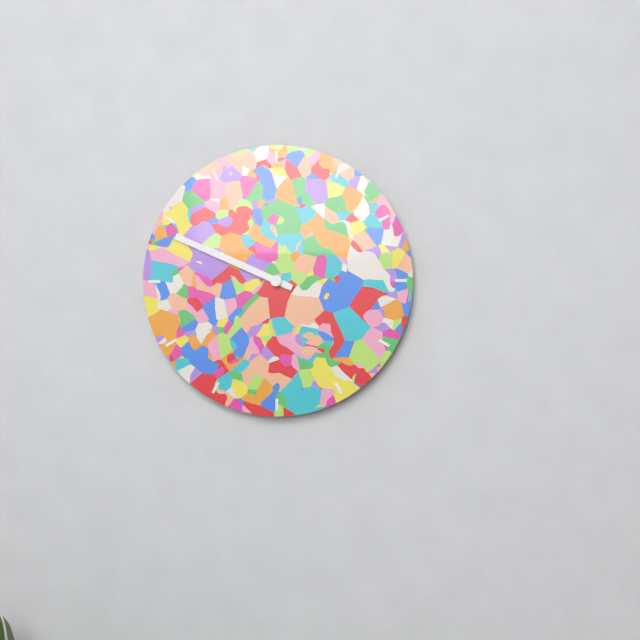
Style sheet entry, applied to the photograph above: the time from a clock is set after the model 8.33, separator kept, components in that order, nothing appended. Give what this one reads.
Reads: 9.49
